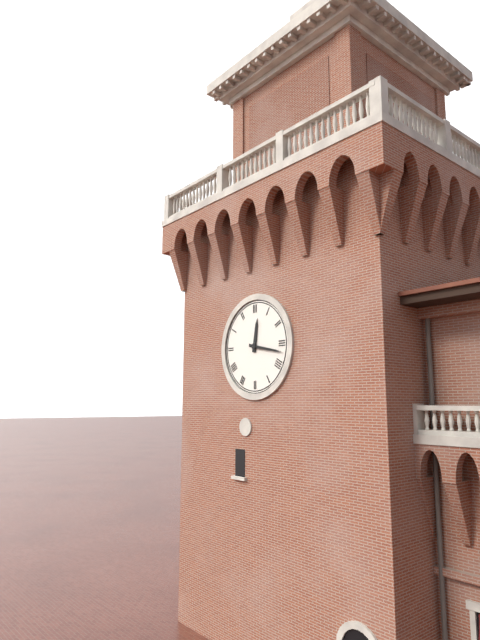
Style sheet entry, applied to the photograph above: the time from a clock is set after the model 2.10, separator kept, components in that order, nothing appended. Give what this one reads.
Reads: 12.17
